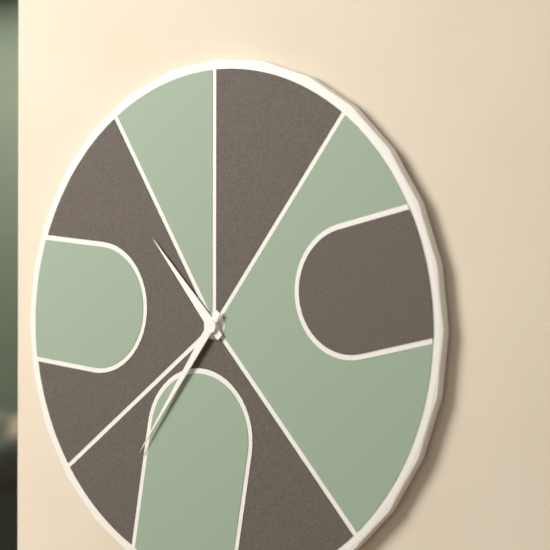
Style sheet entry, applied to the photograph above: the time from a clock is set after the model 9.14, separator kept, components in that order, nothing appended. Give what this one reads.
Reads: 10.36
